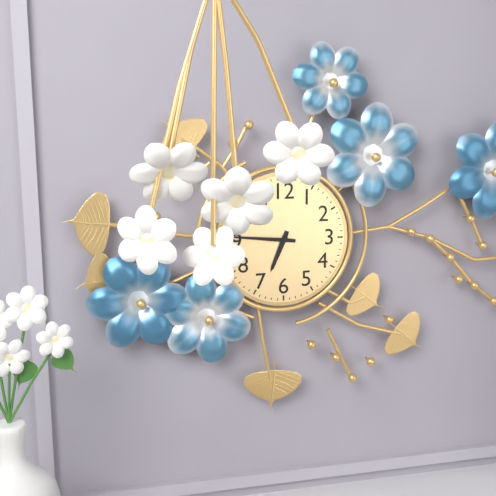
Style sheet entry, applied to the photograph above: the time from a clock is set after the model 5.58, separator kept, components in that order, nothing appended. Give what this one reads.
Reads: 6.46
